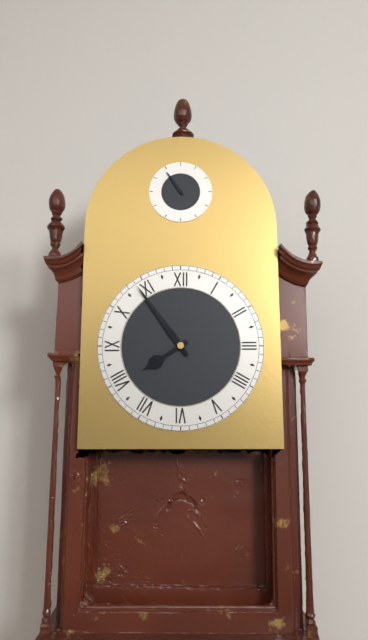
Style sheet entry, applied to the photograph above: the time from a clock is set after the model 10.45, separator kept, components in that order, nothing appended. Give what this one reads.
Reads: 7.54
